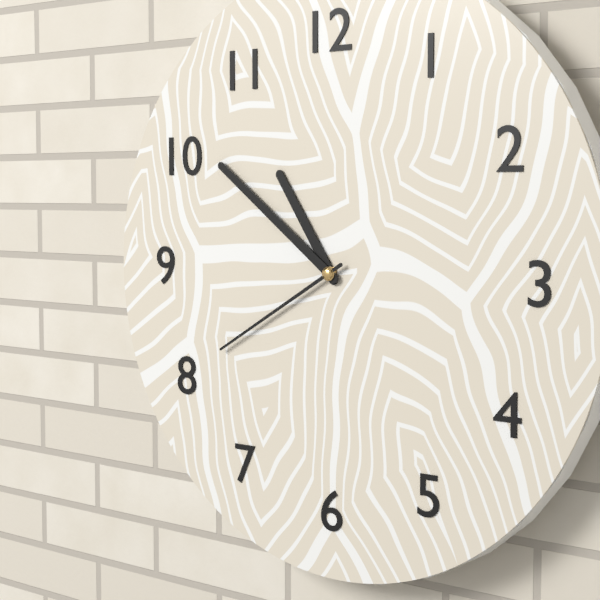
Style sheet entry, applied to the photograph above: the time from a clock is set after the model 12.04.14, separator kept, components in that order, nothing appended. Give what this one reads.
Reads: 10.51.40
